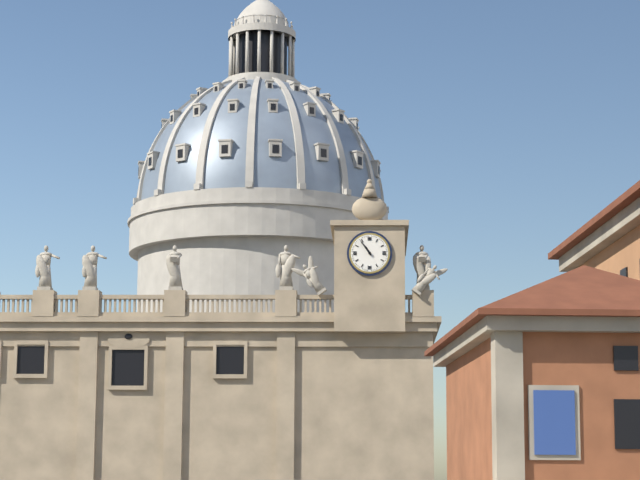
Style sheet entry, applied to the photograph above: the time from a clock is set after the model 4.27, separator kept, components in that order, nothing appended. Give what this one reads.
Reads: 10.54
